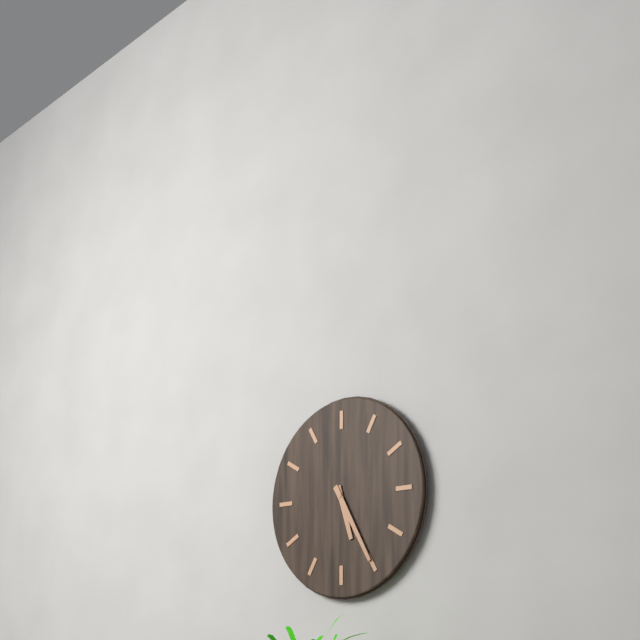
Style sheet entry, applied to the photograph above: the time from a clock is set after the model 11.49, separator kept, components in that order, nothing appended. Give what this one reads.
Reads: 5.25
